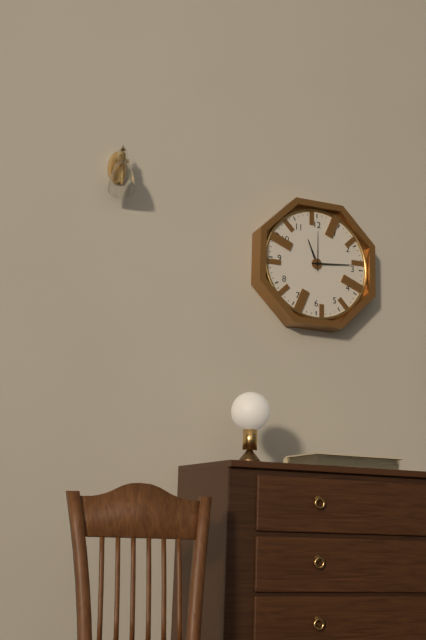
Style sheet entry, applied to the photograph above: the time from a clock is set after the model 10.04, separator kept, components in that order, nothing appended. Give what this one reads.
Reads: 11.14
